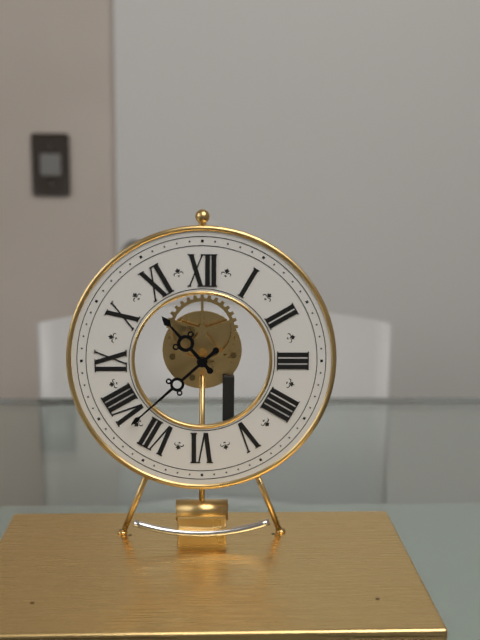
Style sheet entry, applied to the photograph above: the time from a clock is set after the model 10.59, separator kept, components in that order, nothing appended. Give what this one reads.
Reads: 10.38
